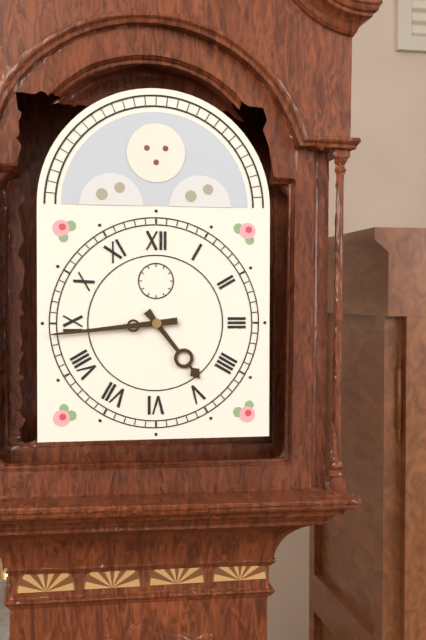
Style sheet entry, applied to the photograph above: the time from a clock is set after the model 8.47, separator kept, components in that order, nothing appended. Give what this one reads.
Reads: 4.44
